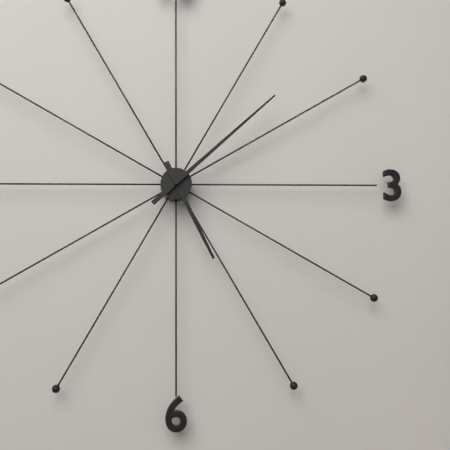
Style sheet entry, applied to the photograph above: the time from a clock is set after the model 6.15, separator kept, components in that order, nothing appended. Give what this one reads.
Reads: 5.08
